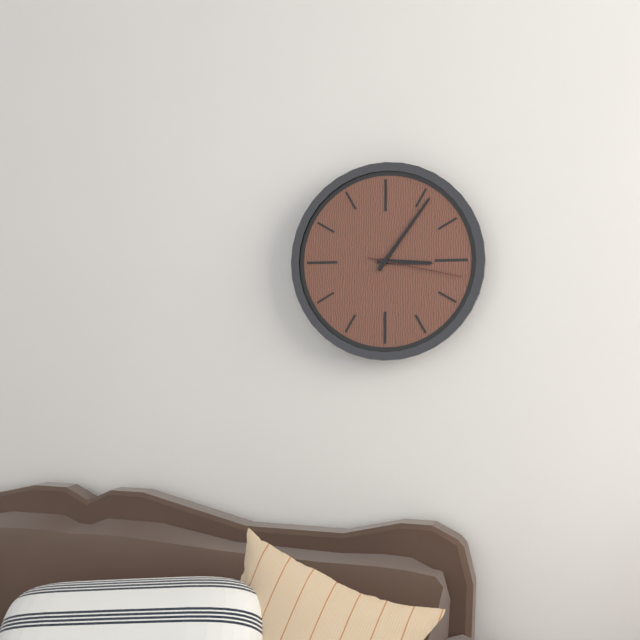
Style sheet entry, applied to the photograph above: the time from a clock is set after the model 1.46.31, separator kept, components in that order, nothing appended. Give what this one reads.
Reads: 3.06.17
